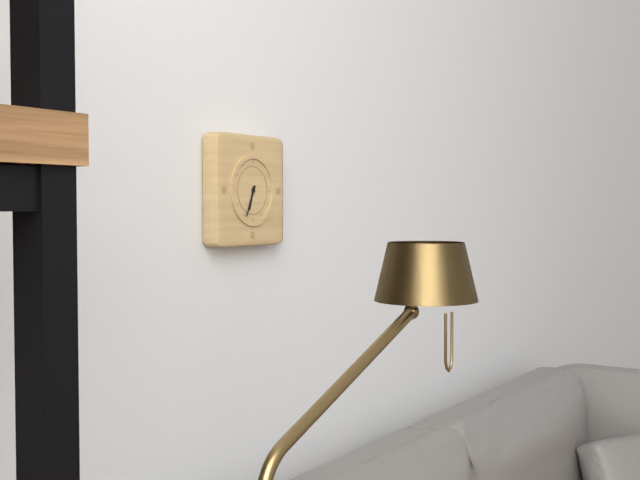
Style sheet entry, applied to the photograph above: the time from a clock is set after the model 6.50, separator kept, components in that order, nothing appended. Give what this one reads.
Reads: 6.34
